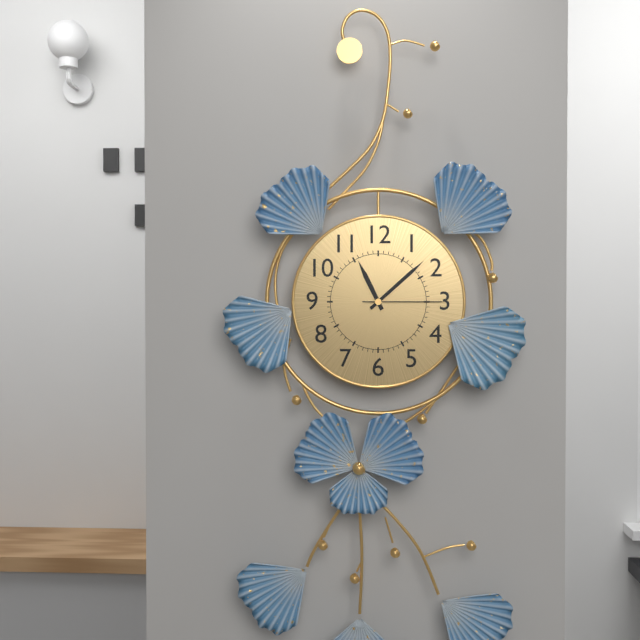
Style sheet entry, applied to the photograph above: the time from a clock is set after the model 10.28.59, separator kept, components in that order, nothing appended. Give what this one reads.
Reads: 11.08.15
